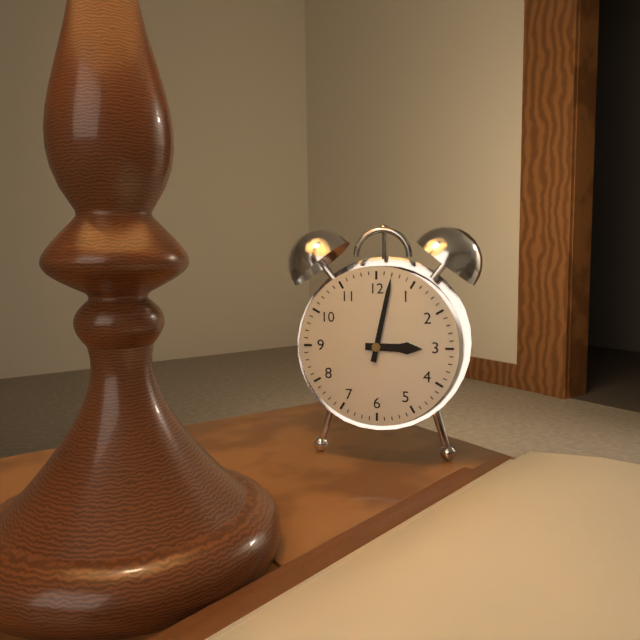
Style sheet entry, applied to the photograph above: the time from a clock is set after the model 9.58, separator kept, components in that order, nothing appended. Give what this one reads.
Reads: 3.02
